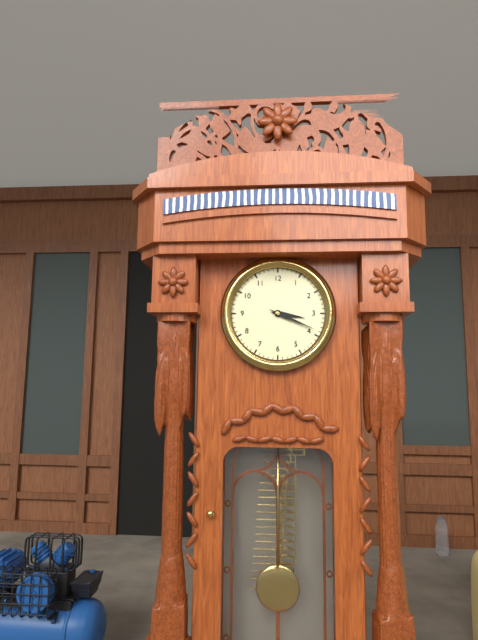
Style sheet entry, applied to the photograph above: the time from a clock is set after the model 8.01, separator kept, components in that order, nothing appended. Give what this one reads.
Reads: 3.19
